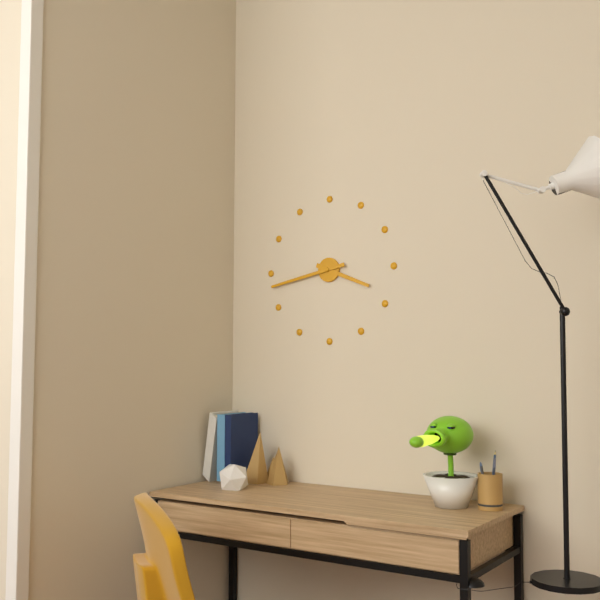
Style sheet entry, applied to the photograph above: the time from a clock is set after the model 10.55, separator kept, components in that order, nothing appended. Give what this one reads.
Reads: 3.43
